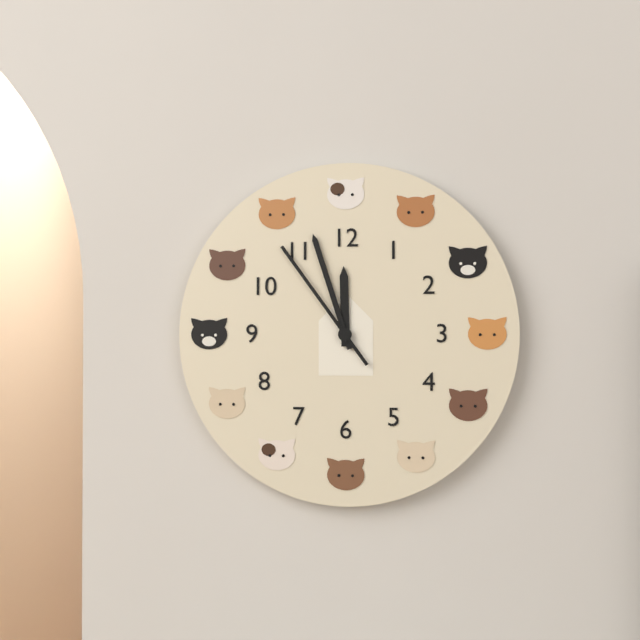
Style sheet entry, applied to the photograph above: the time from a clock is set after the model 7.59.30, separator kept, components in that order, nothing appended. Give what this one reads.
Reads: 11.57.54
